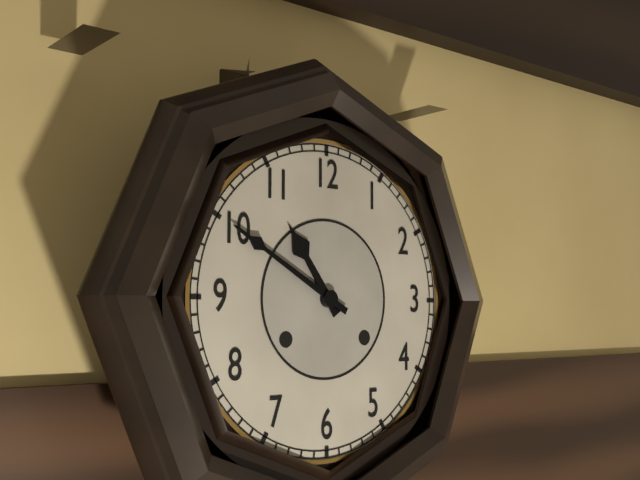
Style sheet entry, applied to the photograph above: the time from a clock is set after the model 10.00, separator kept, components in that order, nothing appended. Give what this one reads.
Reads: 10.50
